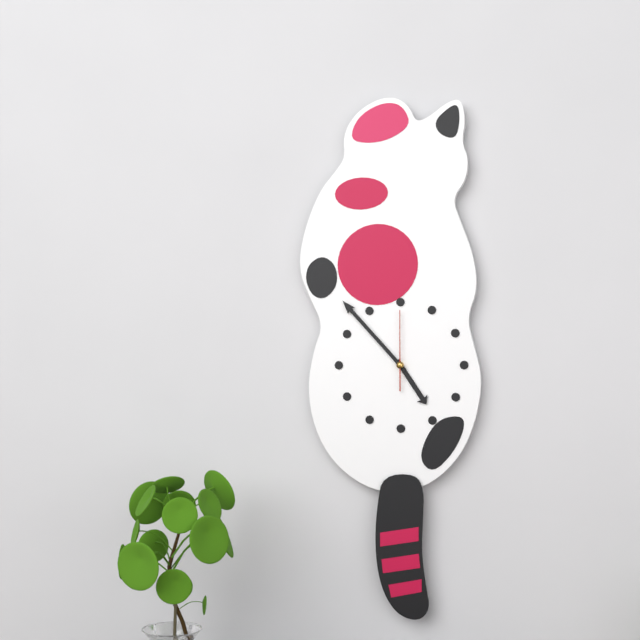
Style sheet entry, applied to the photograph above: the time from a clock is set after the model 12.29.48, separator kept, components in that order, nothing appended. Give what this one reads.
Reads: 4.53.00
